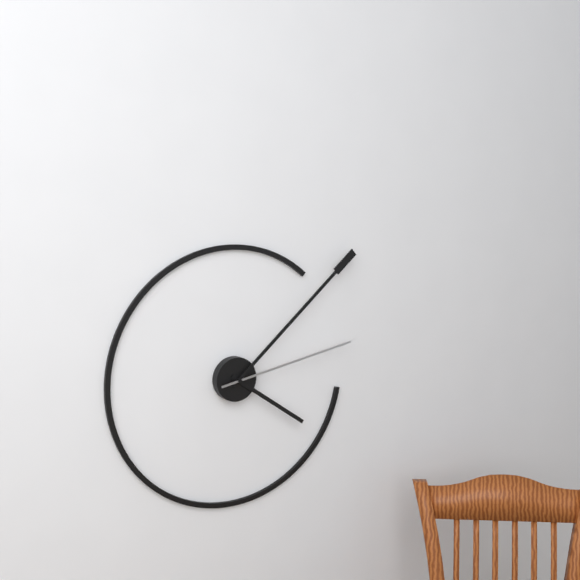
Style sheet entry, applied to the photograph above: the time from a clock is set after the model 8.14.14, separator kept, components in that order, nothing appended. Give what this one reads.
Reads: 4.08.13
